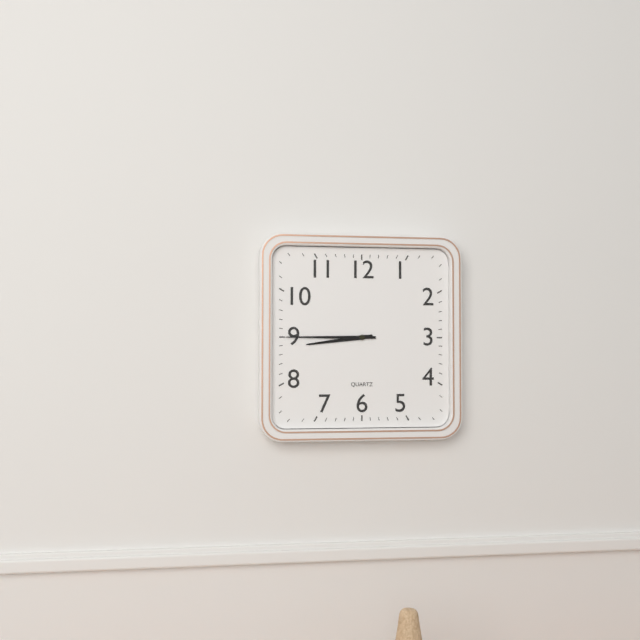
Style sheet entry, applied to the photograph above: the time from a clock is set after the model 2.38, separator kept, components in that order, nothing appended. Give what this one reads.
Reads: 8.45
